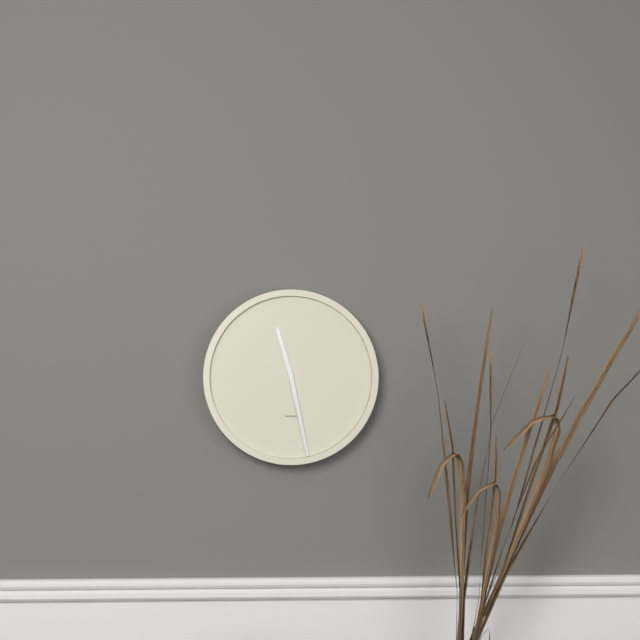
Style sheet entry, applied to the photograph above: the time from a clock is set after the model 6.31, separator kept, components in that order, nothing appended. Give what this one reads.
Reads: 11.28
